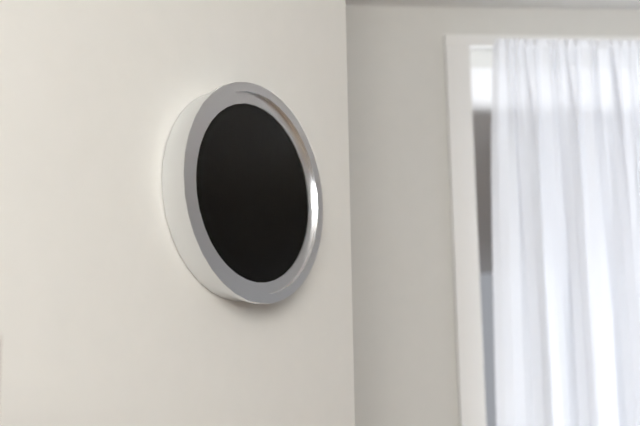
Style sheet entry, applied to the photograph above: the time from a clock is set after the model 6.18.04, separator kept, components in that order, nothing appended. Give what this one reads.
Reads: 3.59.36
